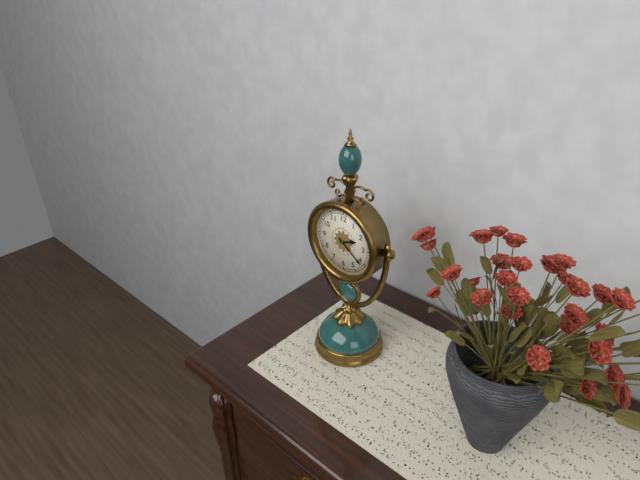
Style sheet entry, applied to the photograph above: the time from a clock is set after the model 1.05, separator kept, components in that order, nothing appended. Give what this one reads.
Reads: 2.21
